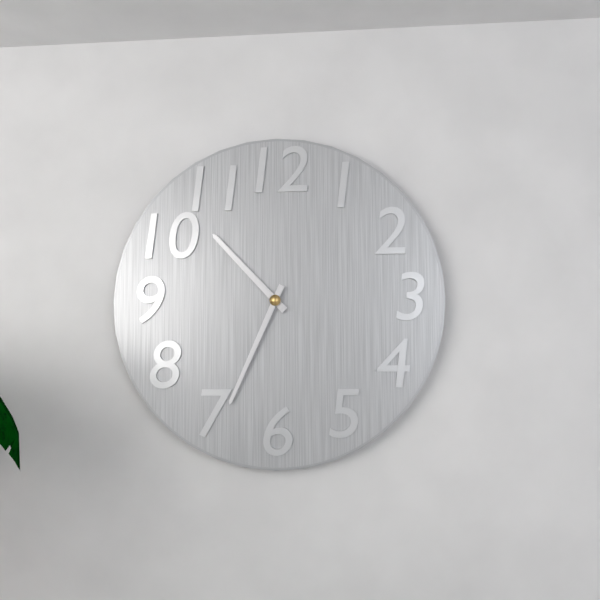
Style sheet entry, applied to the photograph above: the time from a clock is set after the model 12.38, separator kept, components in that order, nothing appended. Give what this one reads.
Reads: 10.34
